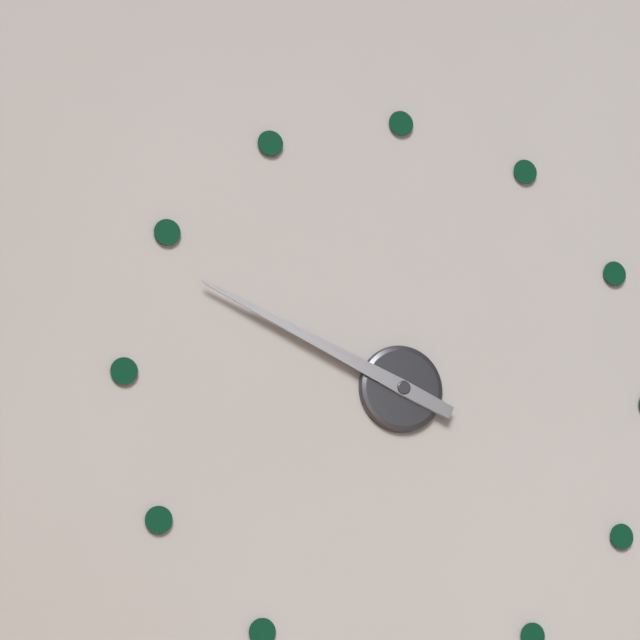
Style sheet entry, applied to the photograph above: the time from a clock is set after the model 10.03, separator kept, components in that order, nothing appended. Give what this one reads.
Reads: 9.49
